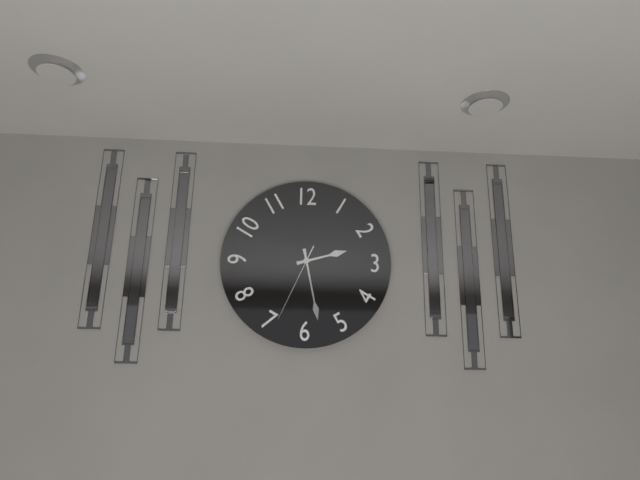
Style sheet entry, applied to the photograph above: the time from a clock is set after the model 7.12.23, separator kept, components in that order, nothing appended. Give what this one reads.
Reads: 2.28.34
